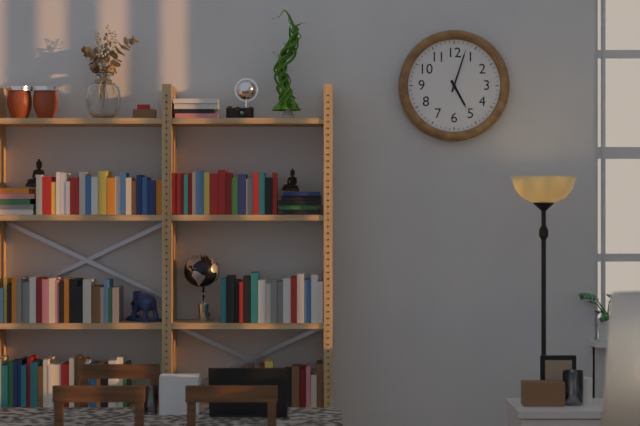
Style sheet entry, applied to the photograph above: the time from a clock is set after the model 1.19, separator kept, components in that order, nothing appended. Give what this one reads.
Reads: 5.03
